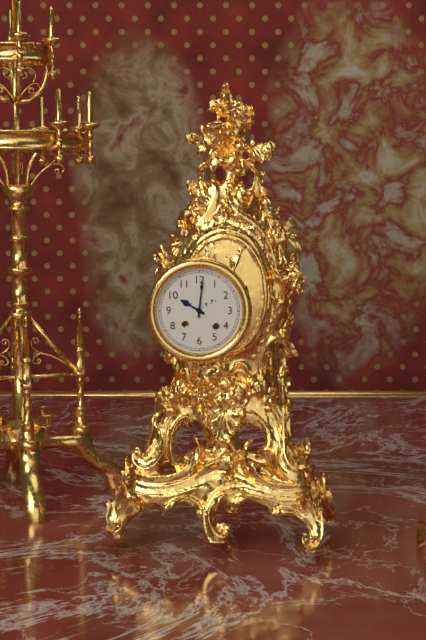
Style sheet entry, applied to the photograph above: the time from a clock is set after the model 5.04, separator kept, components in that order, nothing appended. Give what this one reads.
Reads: 10.01
